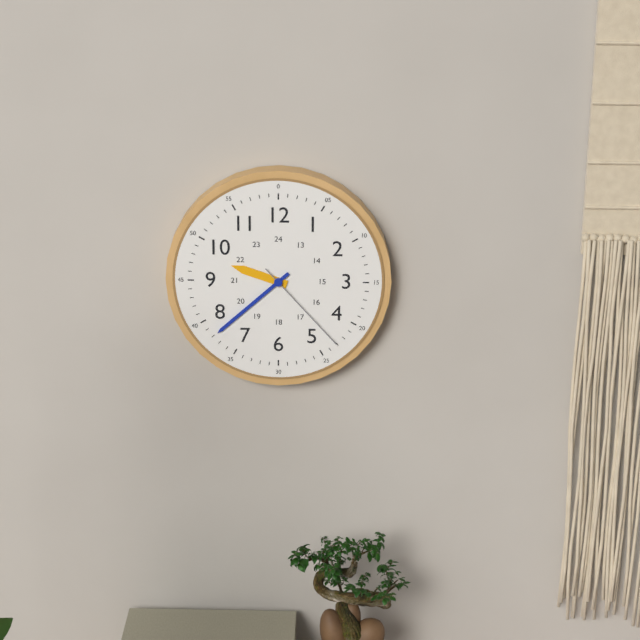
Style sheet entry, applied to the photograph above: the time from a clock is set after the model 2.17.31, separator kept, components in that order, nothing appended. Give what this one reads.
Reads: 9.38.23
